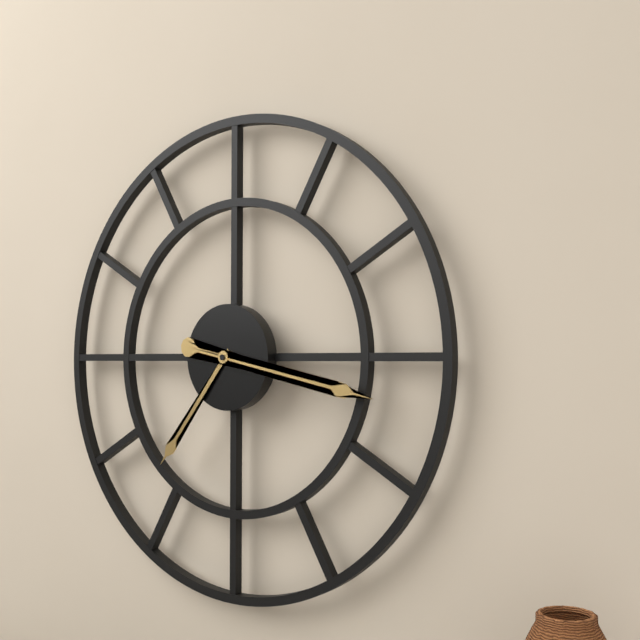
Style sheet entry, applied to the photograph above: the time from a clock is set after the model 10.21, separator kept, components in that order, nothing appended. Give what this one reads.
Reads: 7.17
